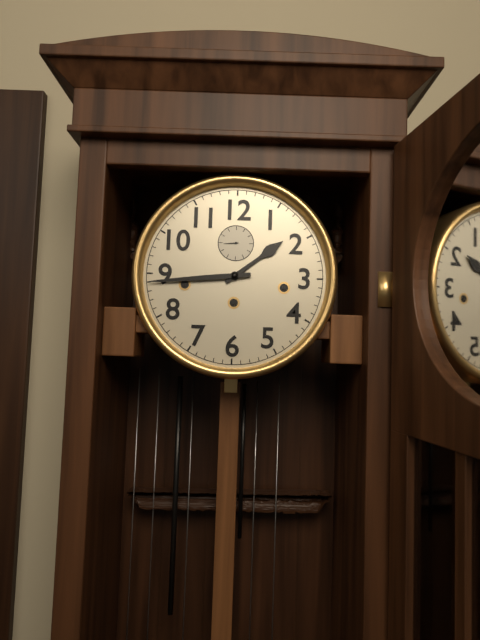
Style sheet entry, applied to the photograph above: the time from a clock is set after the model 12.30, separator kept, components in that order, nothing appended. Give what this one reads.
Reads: 1.44
